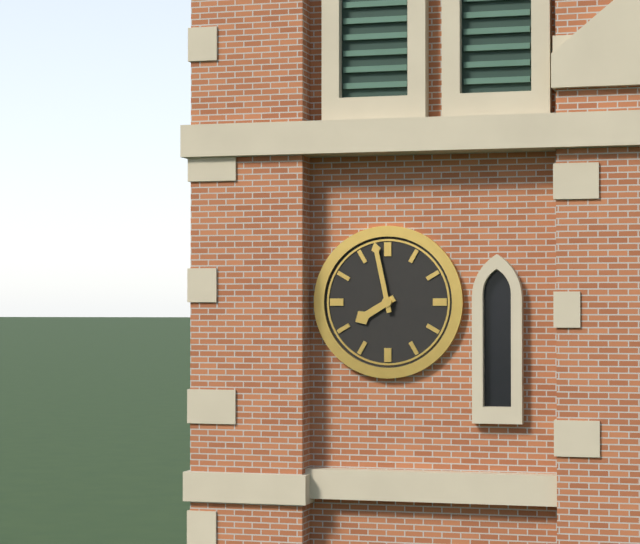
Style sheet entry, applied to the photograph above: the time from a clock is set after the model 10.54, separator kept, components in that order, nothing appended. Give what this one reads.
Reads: 7.58
